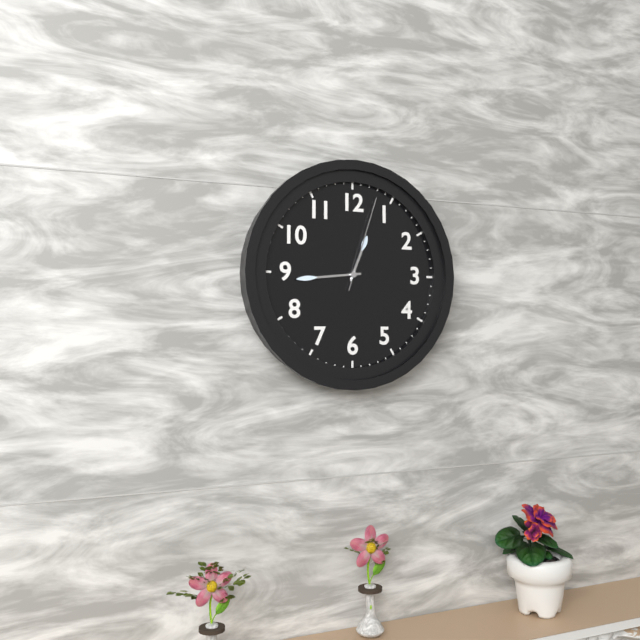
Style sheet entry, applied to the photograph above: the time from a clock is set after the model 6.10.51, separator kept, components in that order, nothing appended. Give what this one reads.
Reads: 12.44.03
